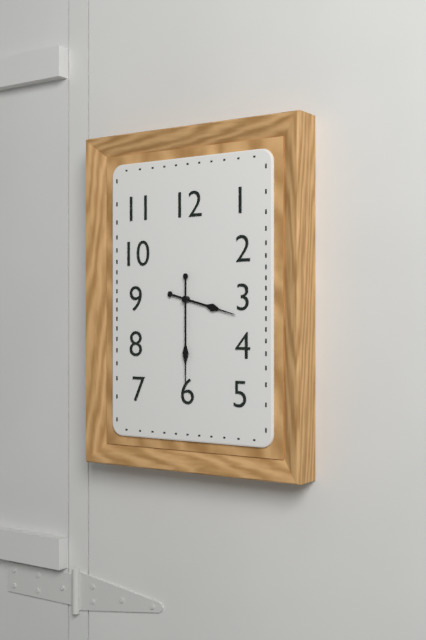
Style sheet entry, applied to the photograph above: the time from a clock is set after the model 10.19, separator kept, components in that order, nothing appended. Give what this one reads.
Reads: 3.30
